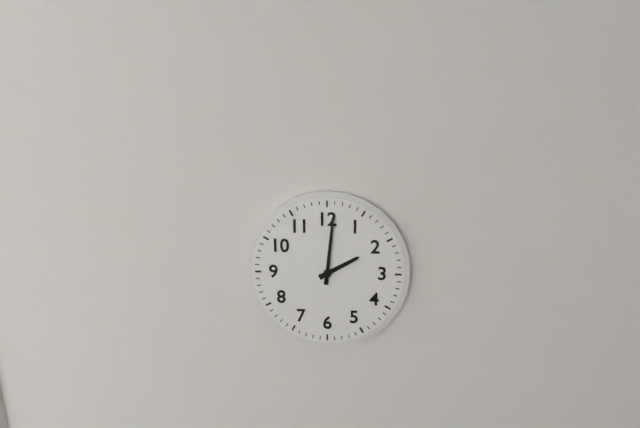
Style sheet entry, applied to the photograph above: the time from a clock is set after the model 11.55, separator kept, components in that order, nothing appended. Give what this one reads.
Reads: 2.01
